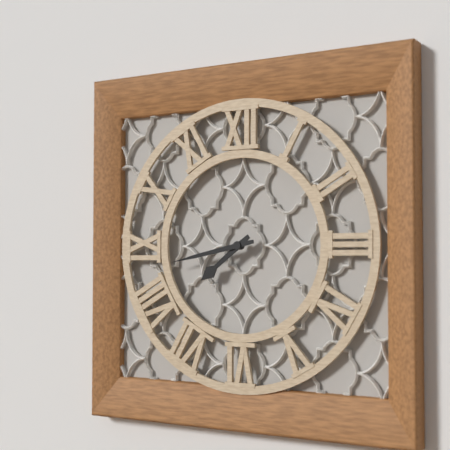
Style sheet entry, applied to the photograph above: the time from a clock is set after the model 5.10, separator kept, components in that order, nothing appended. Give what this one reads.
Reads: 7.43
